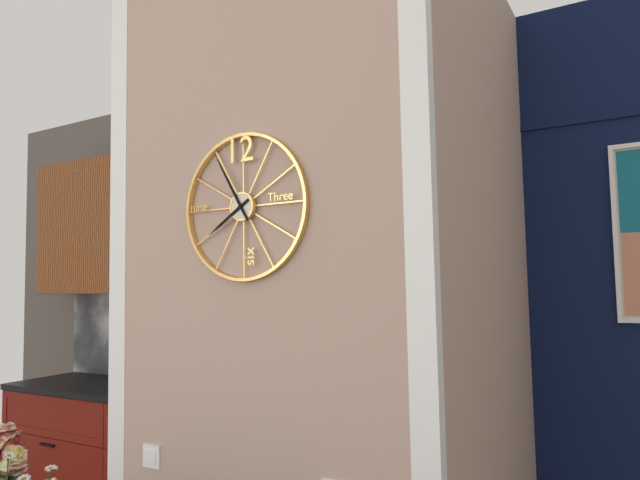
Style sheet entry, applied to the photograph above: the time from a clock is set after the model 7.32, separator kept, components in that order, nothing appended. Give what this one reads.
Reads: 7.55
